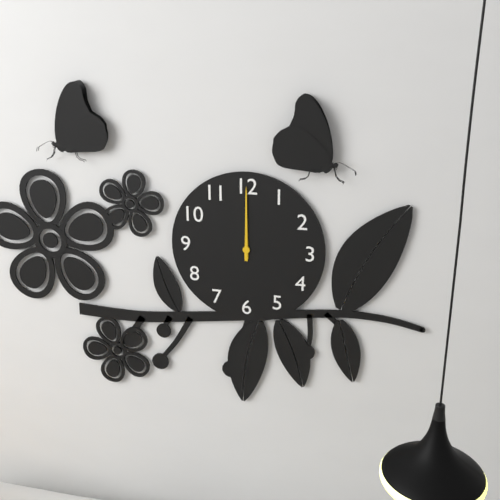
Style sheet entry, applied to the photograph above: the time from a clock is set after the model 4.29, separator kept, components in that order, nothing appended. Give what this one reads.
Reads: 12.00
